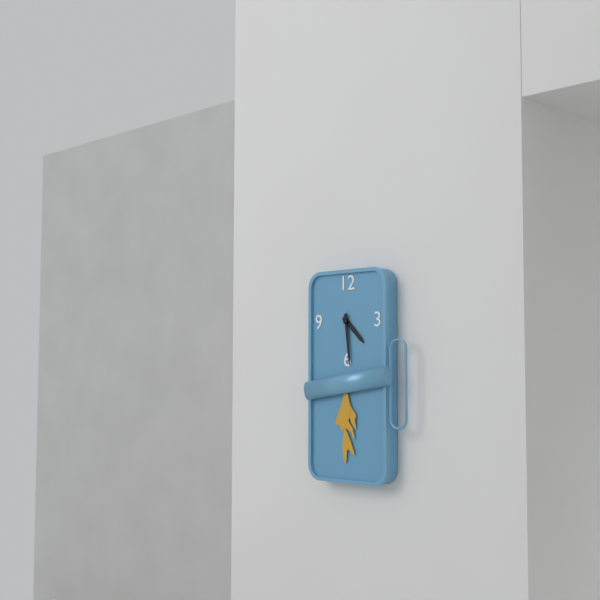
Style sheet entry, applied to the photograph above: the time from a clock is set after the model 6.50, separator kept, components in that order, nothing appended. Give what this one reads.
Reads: 4.29
